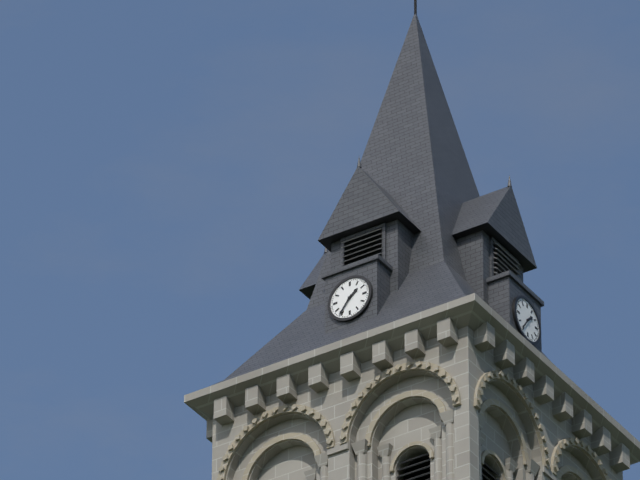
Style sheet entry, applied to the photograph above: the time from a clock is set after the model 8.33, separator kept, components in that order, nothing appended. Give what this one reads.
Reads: 1.36
